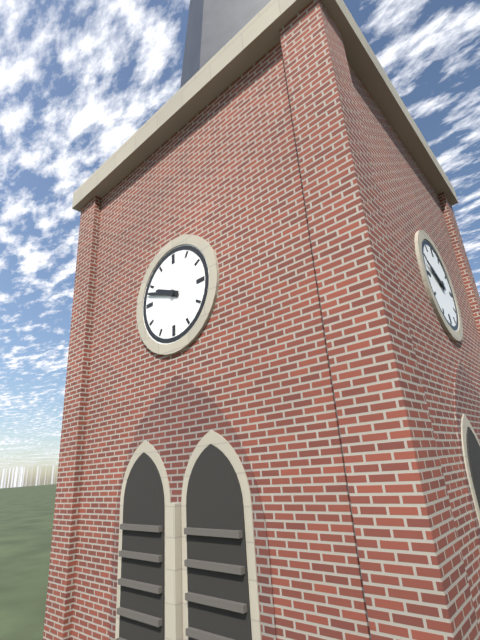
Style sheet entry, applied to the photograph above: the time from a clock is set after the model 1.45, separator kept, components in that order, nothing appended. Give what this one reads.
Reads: 9.48
